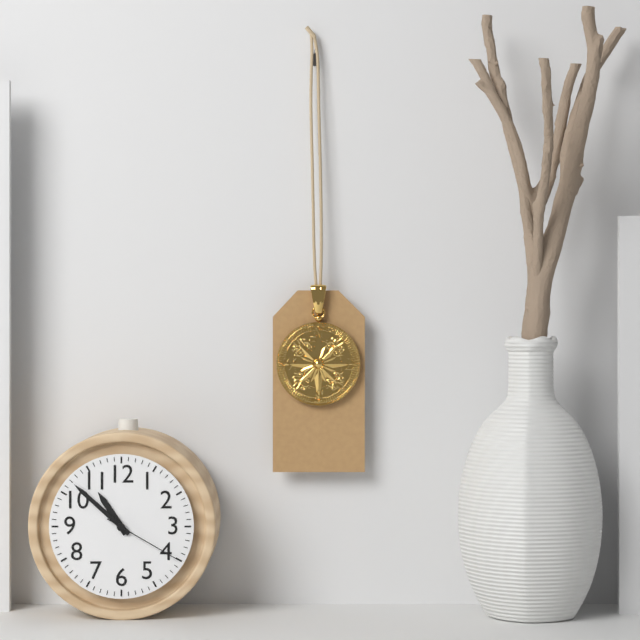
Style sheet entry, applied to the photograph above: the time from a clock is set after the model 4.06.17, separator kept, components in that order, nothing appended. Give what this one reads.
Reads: 10.52.20
